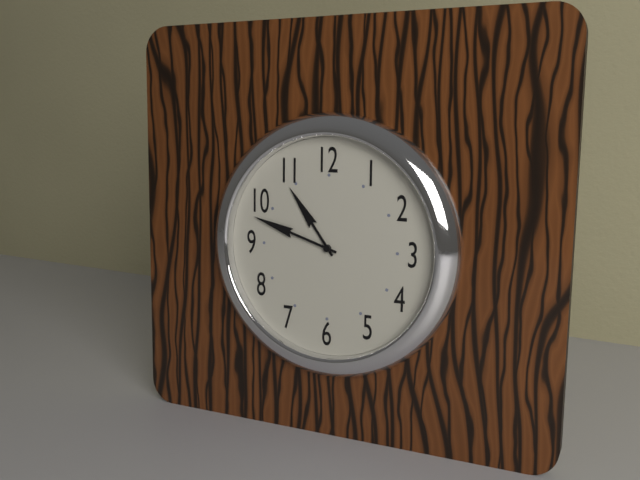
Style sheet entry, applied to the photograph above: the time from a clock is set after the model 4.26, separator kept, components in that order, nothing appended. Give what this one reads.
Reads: 10.48
